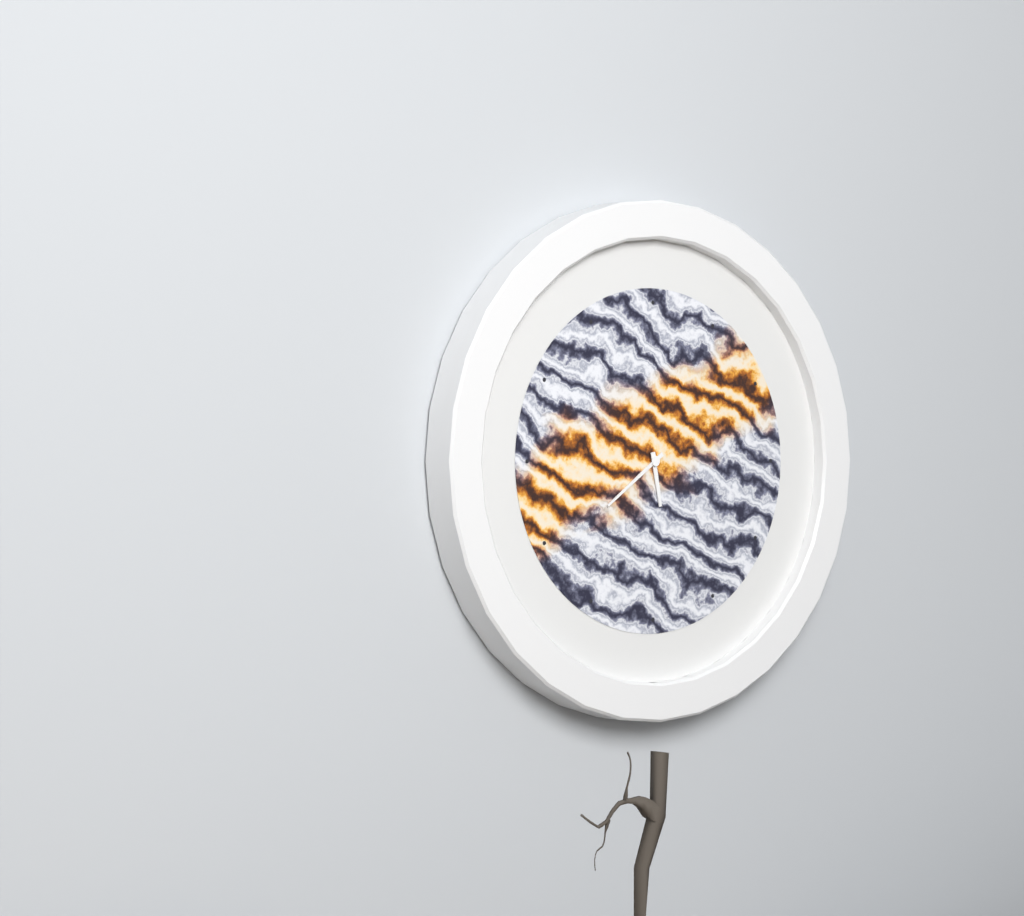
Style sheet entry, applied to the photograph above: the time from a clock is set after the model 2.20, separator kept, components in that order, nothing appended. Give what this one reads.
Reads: 5.39
